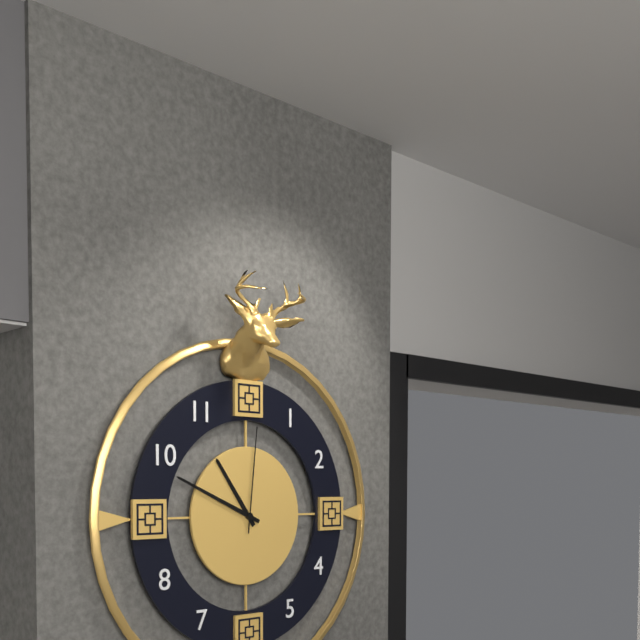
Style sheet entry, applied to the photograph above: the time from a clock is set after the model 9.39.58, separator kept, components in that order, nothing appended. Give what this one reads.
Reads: 10.49.01
